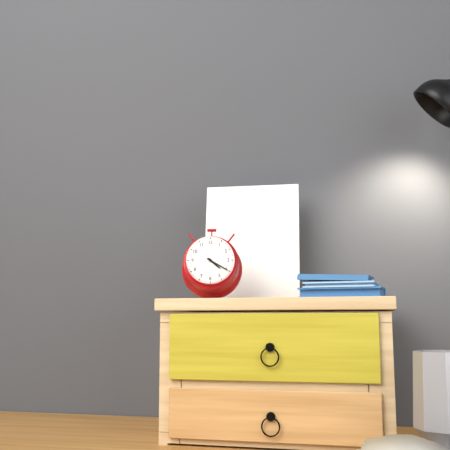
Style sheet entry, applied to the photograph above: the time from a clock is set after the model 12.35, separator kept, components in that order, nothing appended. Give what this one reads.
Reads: 4.20
